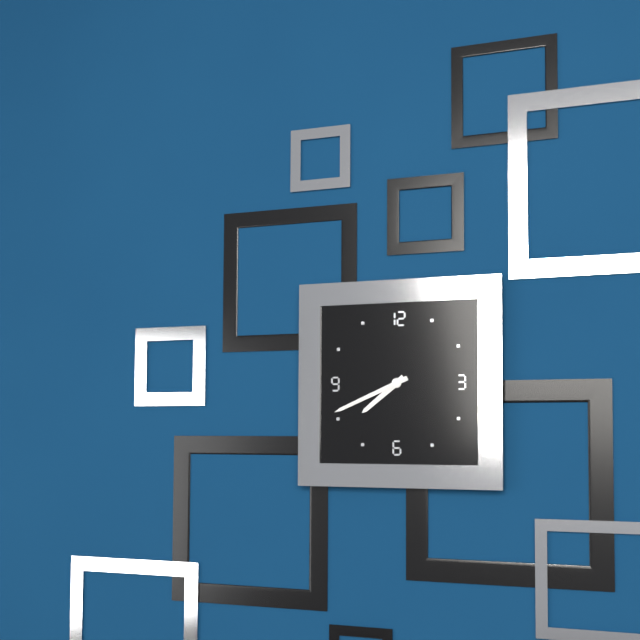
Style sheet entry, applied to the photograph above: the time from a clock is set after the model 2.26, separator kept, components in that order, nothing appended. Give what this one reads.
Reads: 7.41
